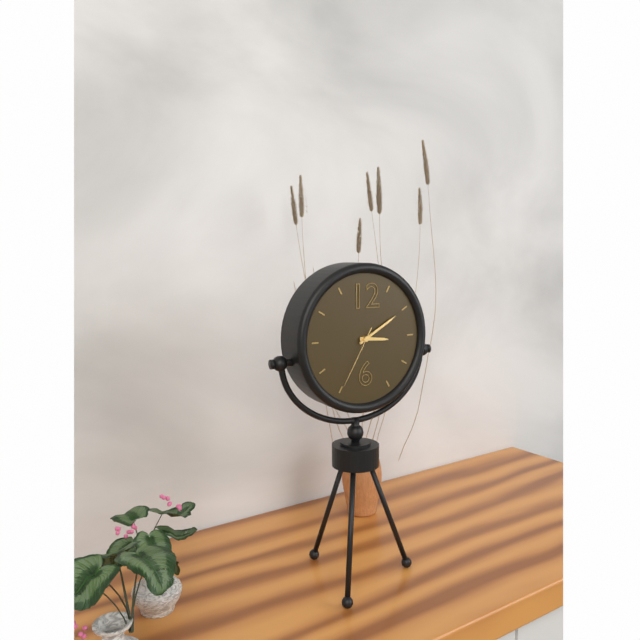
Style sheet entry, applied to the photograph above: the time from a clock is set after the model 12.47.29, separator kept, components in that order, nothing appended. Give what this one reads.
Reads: 3.10.35
